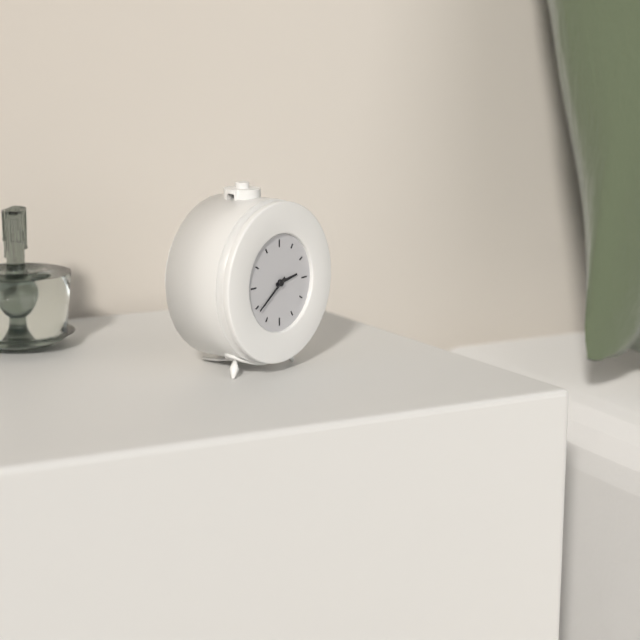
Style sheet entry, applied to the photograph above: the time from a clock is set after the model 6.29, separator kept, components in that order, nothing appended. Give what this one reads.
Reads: 2.39
